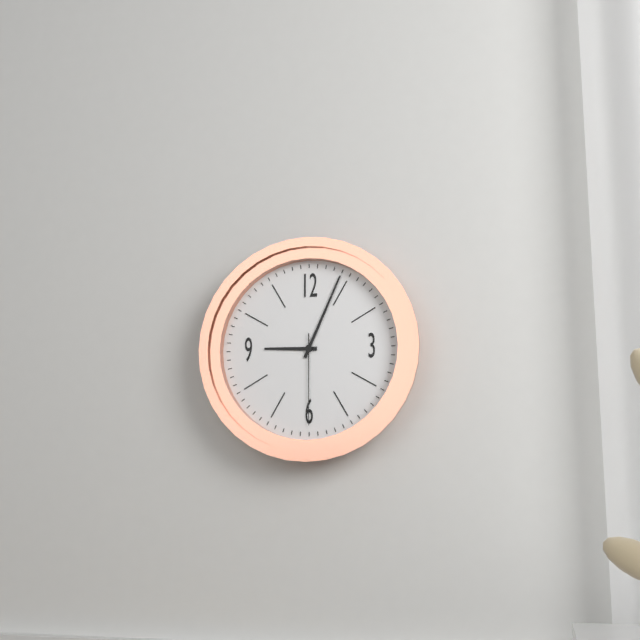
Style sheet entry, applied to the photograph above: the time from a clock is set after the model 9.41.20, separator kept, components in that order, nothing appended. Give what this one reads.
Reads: 9.04.30
